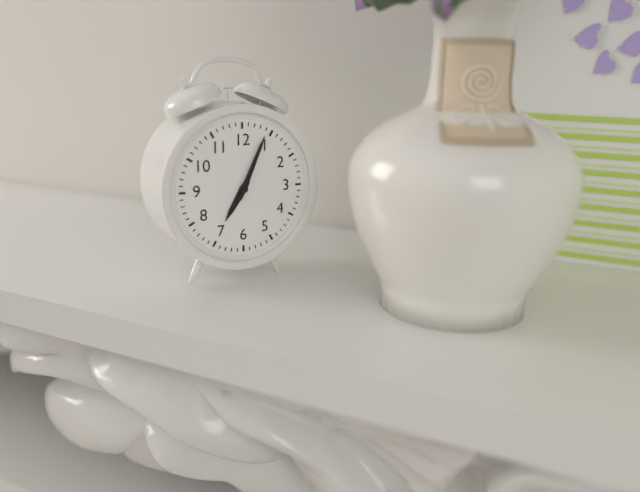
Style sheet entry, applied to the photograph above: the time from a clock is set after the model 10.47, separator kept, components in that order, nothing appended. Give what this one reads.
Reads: 7.04
